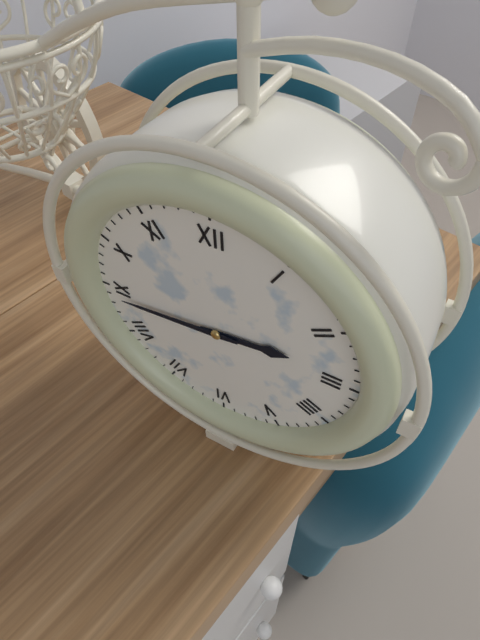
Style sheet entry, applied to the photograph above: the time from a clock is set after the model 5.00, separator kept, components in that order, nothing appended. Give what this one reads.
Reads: 2.44
